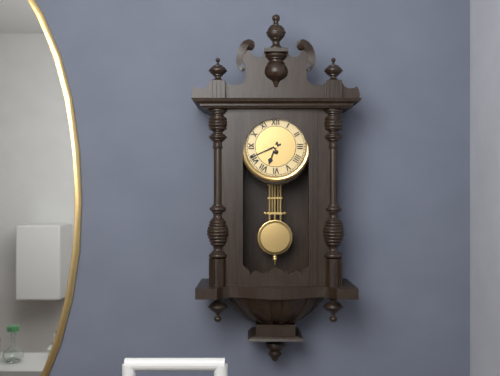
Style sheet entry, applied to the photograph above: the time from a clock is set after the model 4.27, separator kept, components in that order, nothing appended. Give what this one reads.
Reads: 6.41
